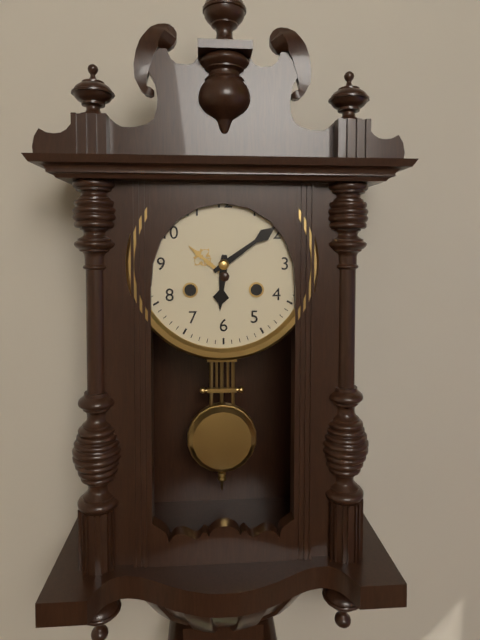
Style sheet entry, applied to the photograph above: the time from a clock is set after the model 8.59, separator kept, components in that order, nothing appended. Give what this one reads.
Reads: 6.09
